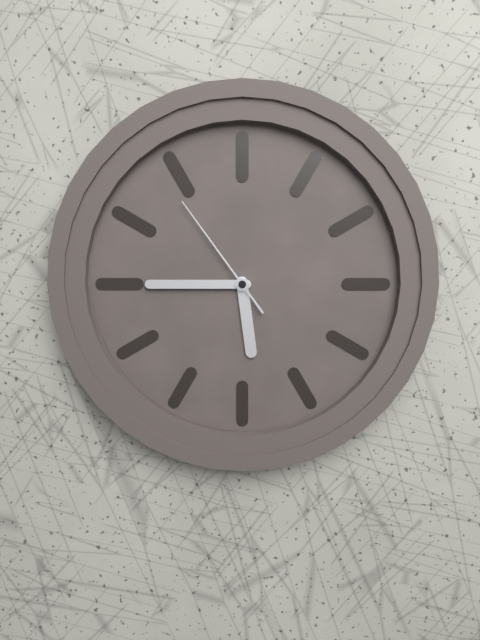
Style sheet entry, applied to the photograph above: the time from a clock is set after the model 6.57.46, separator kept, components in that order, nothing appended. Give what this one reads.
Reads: 5.45.54
